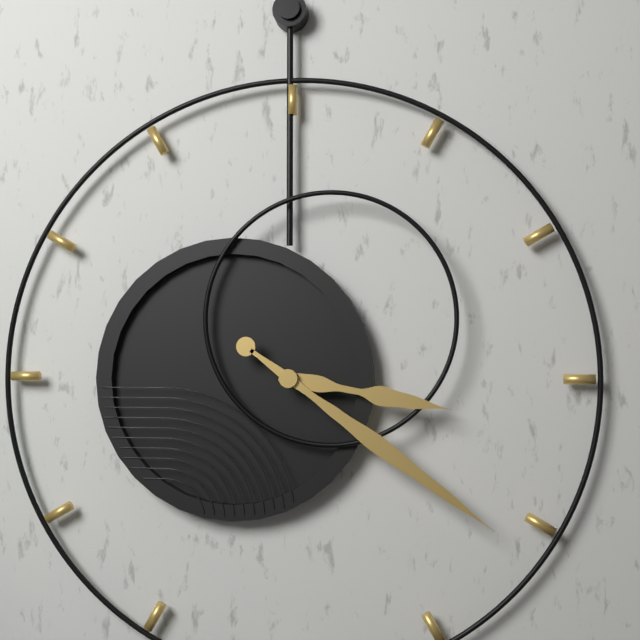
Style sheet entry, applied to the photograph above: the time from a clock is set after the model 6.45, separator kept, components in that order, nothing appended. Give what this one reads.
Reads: 3.21
